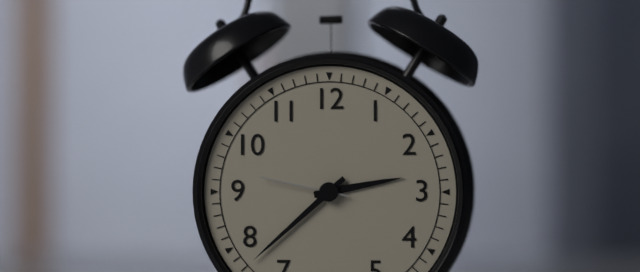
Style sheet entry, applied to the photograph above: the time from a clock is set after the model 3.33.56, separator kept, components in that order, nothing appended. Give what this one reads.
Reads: 2.38.47
